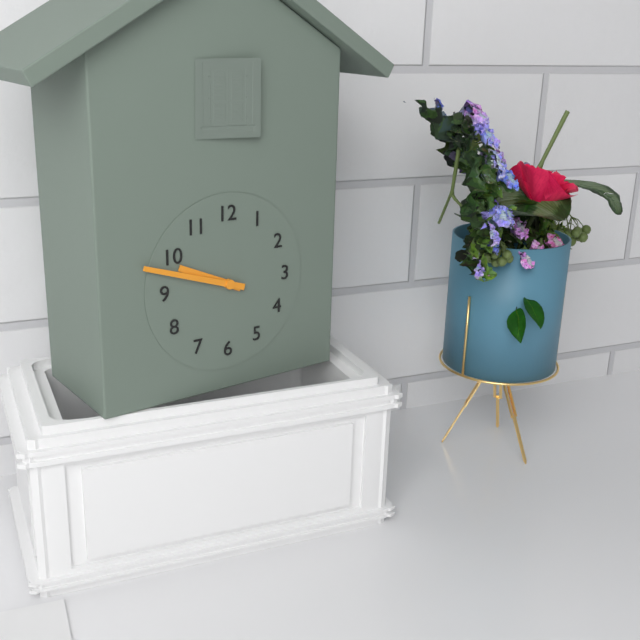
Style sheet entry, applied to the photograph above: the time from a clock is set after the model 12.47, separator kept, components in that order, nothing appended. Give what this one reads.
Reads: 9.48
